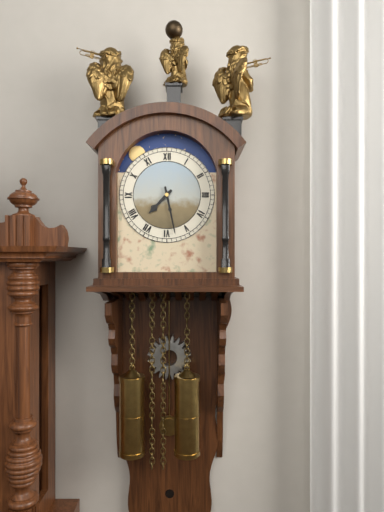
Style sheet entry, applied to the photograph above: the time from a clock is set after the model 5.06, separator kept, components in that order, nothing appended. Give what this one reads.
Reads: 7.28
